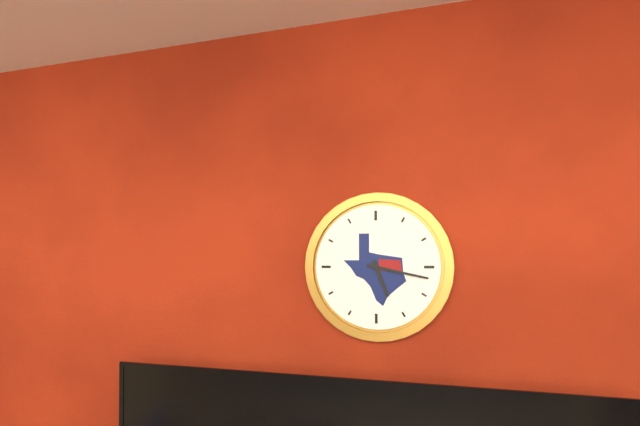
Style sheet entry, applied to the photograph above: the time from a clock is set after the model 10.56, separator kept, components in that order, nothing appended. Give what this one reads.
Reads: 5.17
